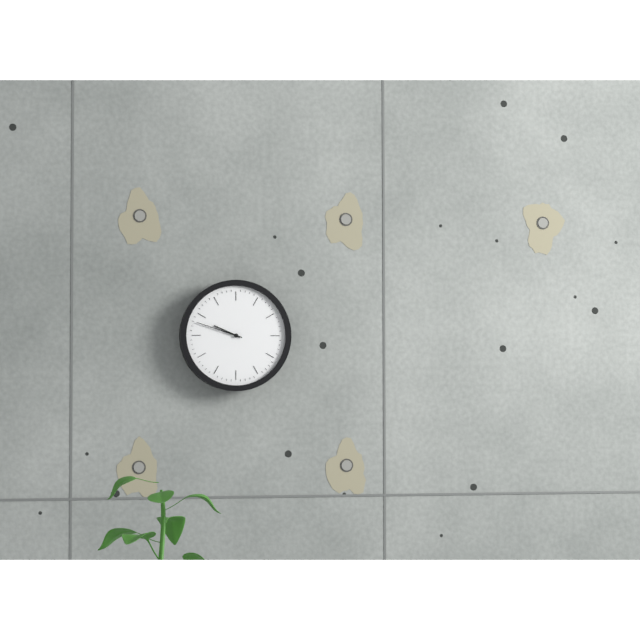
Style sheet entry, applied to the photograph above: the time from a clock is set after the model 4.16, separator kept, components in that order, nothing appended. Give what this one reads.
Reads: 9.48
